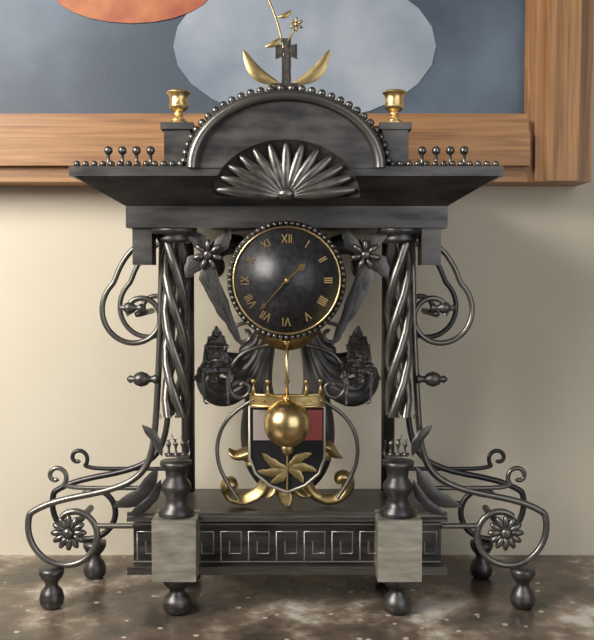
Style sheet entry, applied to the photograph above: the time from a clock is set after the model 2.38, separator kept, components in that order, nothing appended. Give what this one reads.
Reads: 1.37
